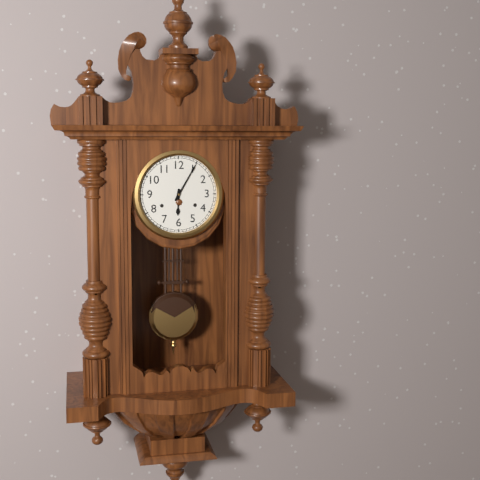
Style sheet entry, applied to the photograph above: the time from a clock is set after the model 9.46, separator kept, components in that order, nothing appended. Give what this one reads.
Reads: 6.05
